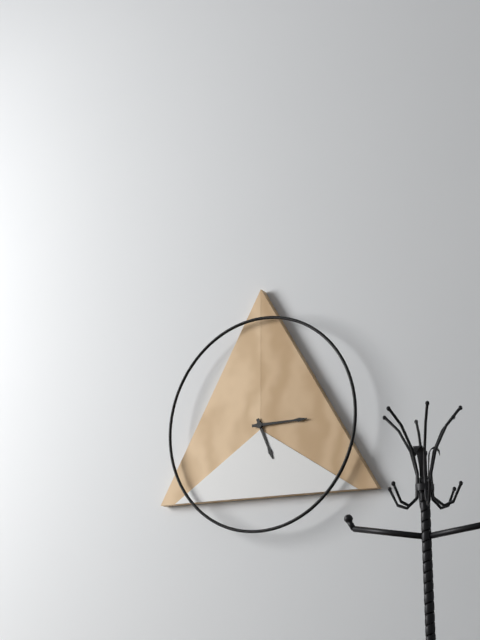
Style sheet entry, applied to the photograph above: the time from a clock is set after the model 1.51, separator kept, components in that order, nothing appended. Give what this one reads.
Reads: 5.15
